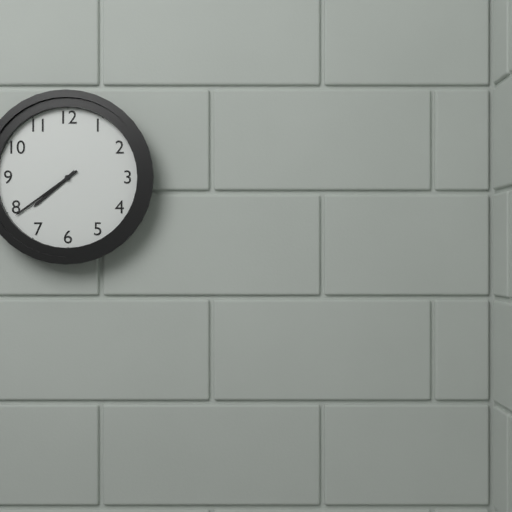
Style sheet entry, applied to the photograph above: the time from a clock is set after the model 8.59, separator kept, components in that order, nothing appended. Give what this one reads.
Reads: 7.39
